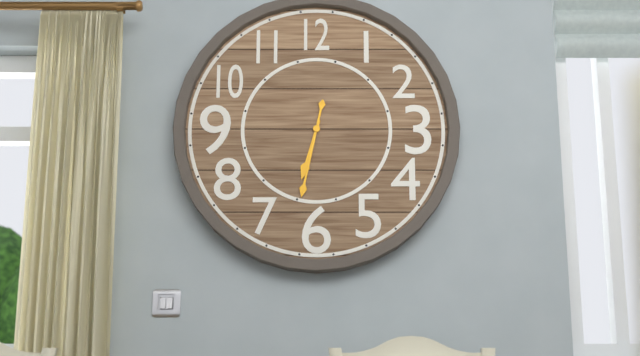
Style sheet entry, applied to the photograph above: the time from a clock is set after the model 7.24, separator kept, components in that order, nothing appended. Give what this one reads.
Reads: 6.32
